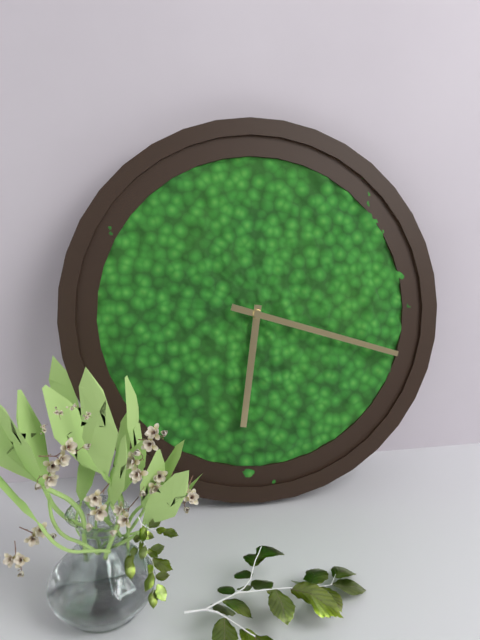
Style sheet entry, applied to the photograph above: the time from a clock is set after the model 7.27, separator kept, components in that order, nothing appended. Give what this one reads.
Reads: 6.18
